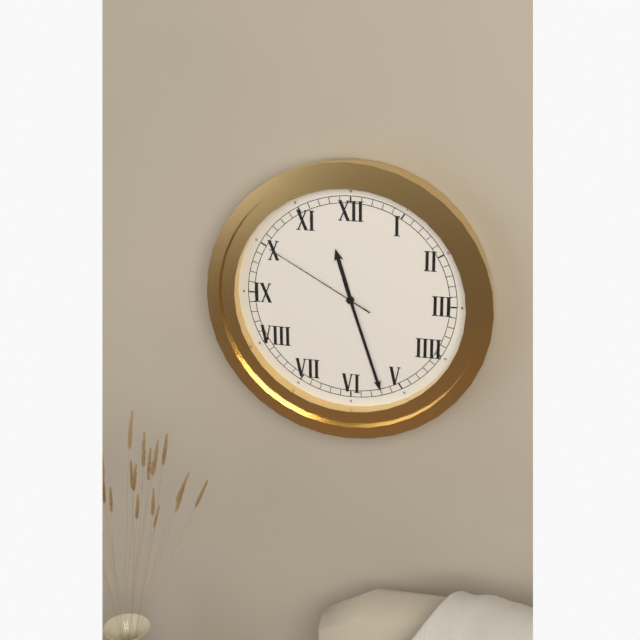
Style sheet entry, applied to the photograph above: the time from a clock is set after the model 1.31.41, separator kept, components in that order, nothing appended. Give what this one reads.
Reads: 11.27.50
